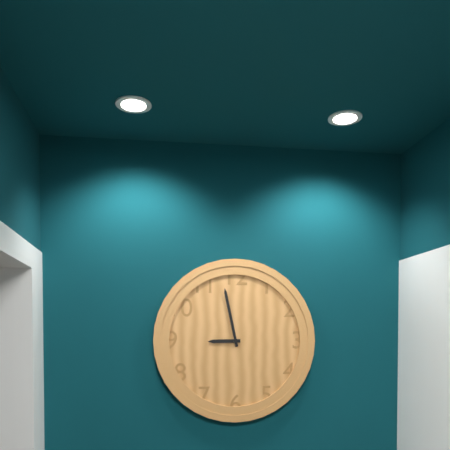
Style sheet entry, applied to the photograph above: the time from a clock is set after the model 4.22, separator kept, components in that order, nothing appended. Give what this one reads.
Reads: 8.58
